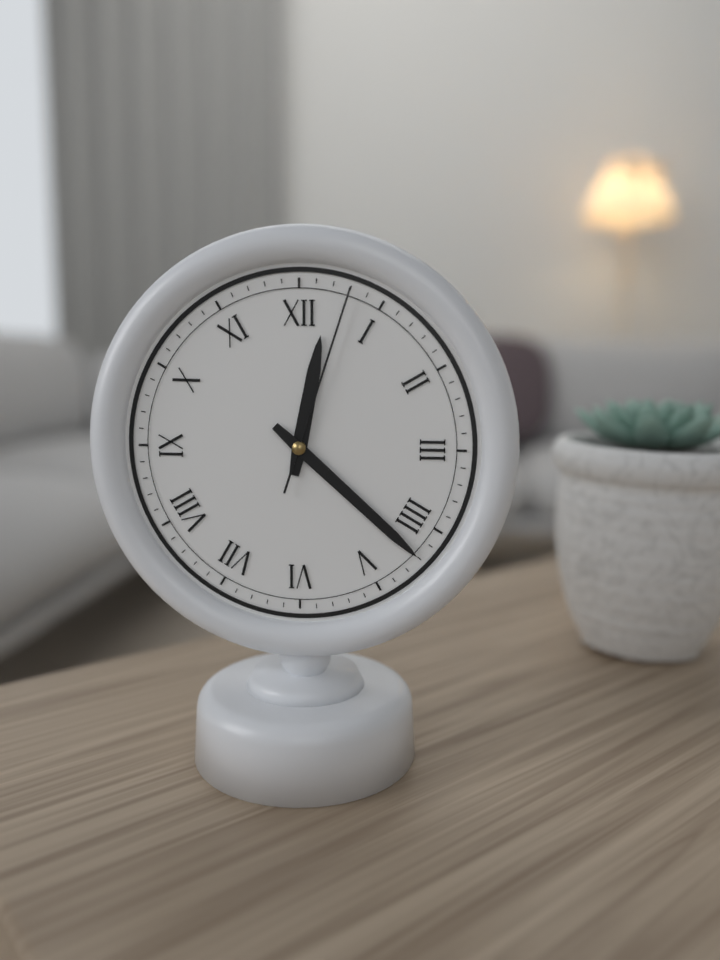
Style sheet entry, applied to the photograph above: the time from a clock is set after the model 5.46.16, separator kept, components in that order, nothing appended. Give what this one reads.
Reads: 12.22.03
